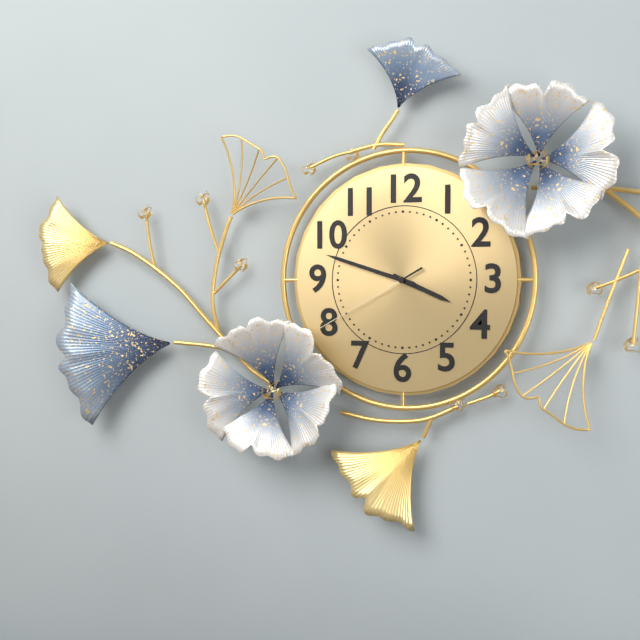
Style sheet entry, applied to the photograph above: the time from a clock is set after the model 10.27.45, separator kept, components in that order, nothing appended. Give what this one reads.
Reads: 3.48.40
